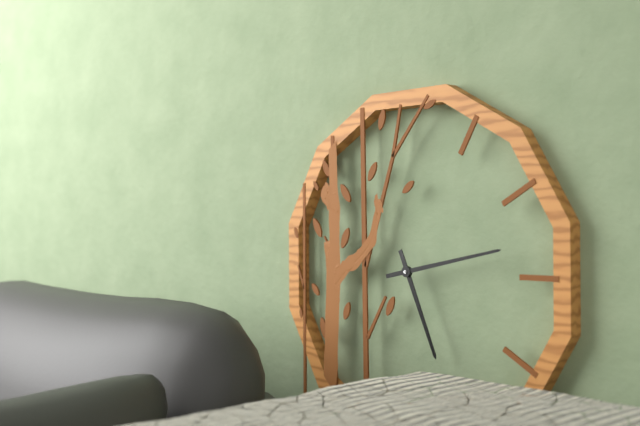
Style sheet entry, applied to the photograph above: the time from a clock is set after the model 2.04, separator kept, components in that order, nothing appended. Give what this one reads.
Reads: 5.13
